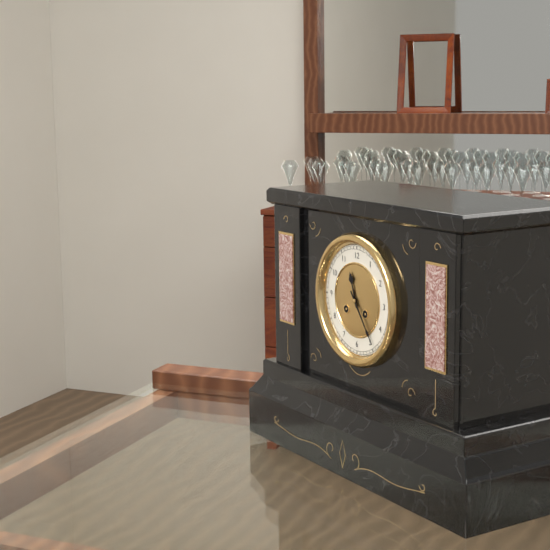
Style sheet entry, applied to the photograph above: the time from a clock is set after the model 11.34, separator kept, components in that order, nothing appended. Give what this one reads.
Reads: 11.24
